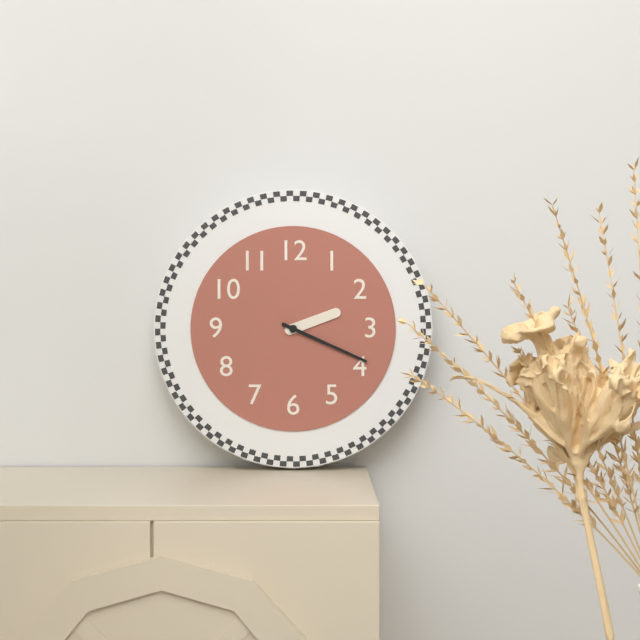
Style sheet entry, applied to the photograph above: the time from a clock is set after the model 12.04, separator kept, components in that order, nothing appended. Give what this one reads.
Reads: 2.19
